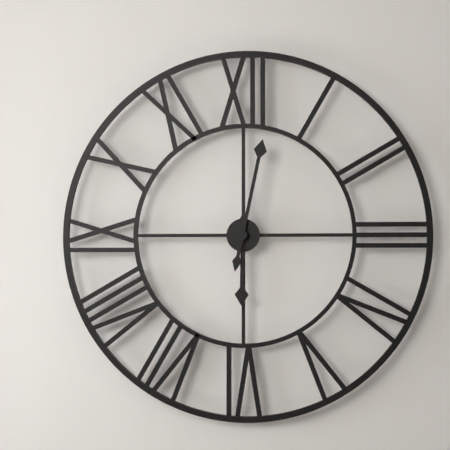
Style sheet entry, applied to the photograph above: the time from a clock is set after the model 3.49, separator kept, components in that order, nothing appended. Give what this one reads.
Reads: 6.02
